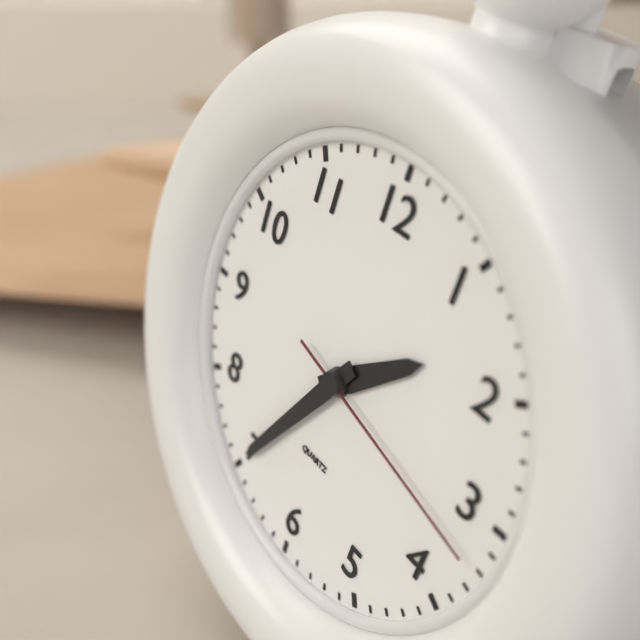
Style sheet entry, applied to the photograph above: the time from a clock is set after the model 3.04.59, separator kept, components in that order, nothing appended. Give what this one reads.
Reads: 1.35.17
